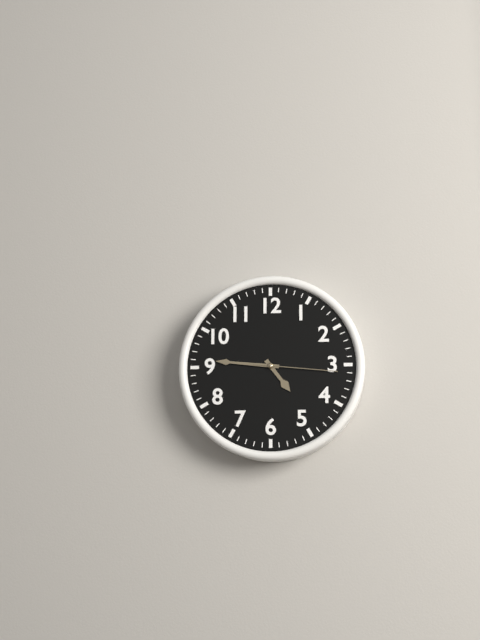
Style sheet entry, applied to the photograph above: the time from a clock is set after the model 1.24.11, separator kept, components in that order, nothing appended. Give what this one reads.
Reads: 4.46.16
